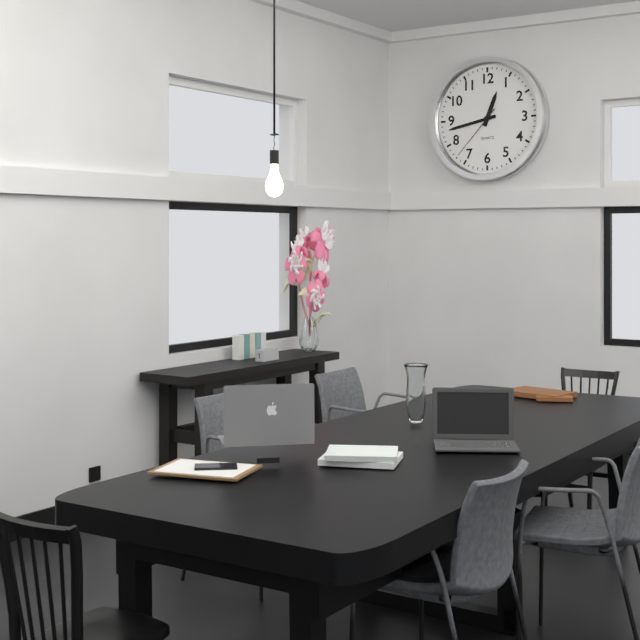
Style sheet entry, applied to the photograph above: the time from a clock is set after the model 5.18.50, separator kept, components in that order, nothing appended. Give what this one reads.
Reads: 12.43.37
